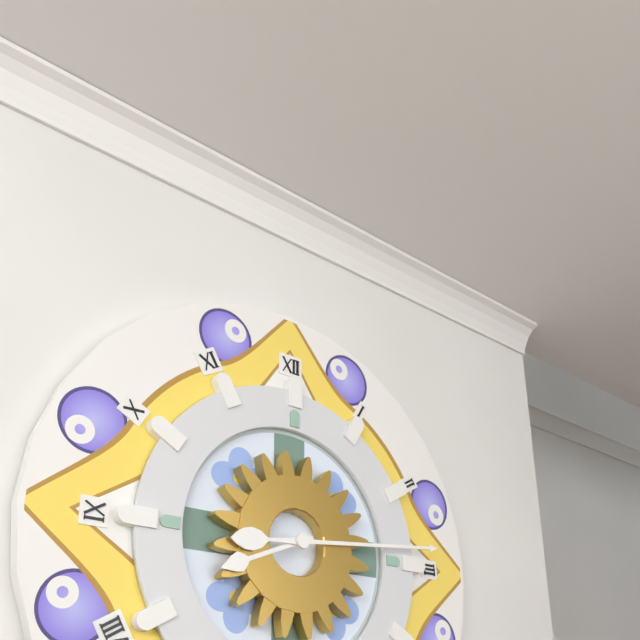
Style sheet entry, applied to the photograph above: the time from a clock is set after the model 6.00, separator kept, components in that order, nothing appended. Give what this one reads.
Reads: 8.14
